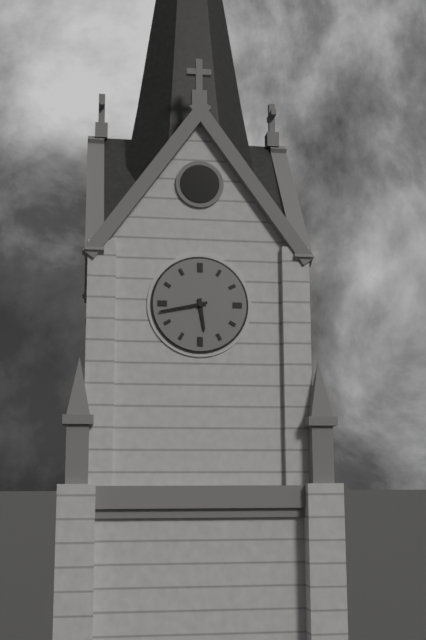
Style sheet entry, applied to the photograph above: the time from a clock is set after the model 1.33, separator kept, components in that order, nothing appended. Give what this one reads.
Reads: 5.43
